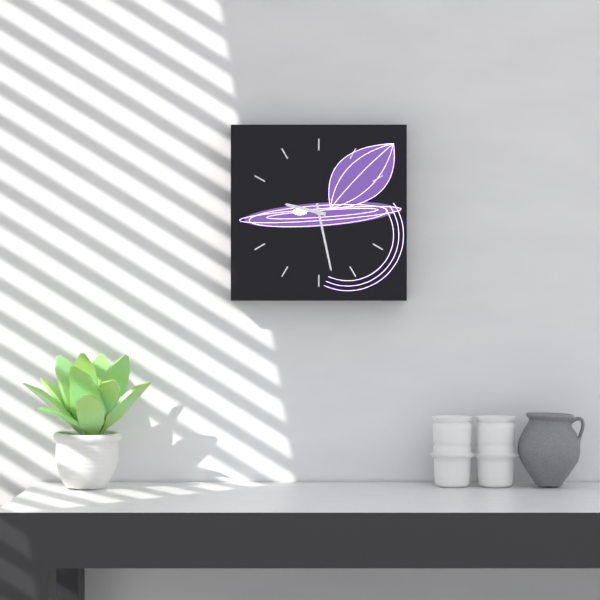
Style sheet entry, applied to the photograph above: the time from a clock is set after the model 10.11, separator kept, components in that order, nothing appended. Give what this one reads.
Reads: 9.28
